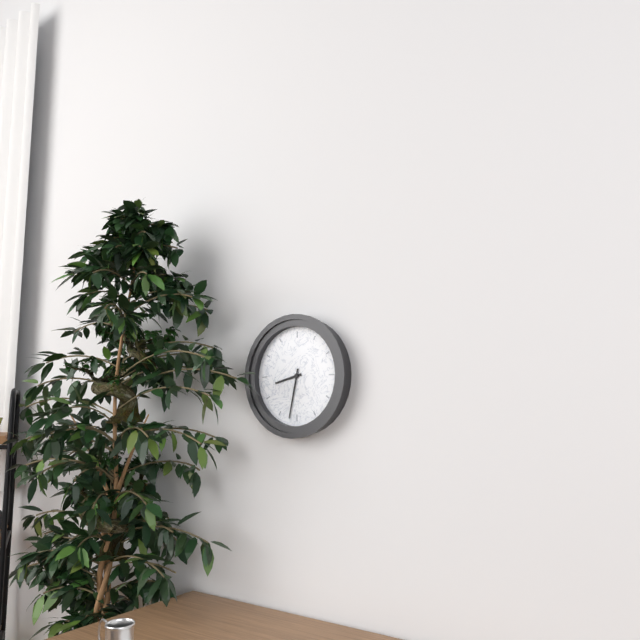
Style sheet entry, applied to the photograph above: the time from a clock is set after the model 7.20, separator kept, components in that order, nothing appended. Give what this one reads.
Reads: 8.32
